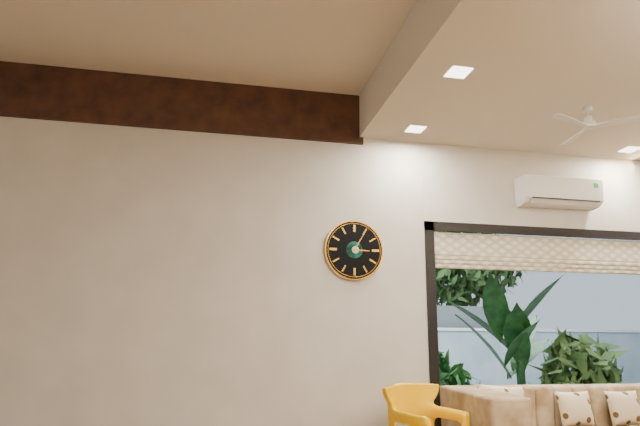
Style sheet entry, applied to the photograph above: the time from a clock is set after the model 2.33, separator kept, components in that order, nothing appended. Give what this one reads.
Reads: 3.05
